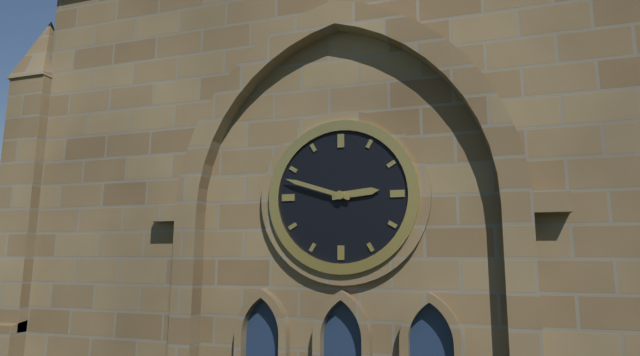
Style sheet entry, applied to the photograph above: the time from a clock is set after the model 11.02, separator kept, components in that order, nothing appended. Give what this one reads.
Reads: 2.48
